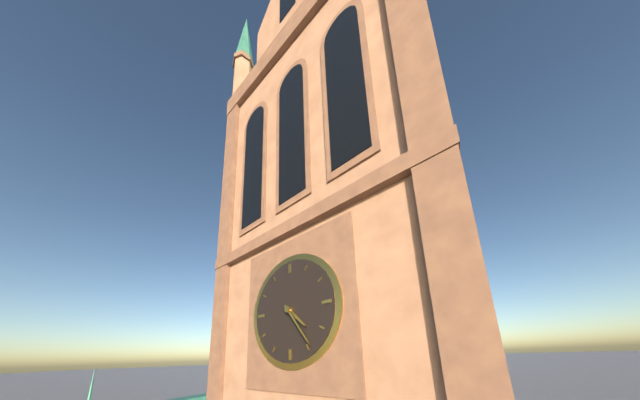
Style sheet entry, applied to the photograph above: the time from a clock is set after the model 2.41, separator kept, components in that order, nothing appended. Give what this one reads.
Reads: 4.24
